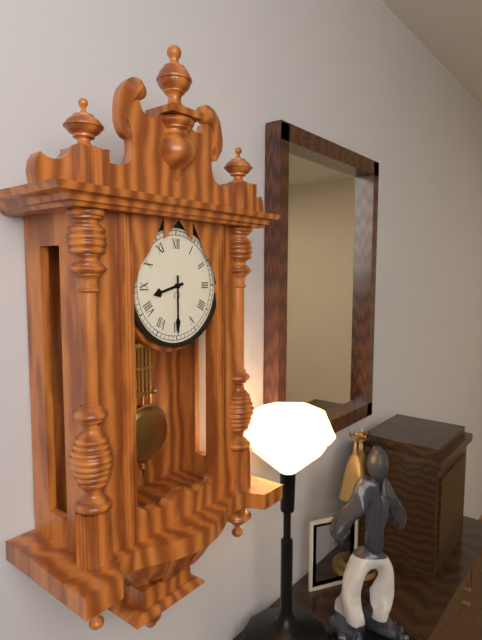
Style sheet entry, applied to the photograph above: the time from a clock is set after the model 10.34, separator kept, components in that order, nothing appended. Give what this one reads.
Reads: 8.30
